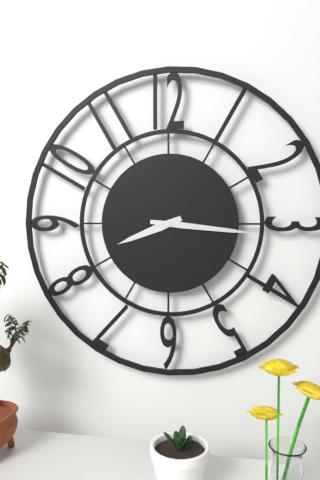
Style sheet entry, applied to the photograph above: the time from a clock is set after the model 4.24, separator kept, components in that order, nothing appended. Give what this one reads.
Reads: 8.16
